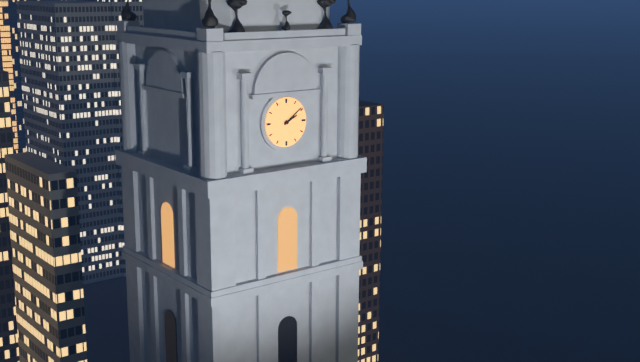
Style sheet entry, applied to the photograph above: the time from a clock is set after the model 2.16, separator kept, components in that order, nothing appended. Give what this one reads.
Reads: 2.09
